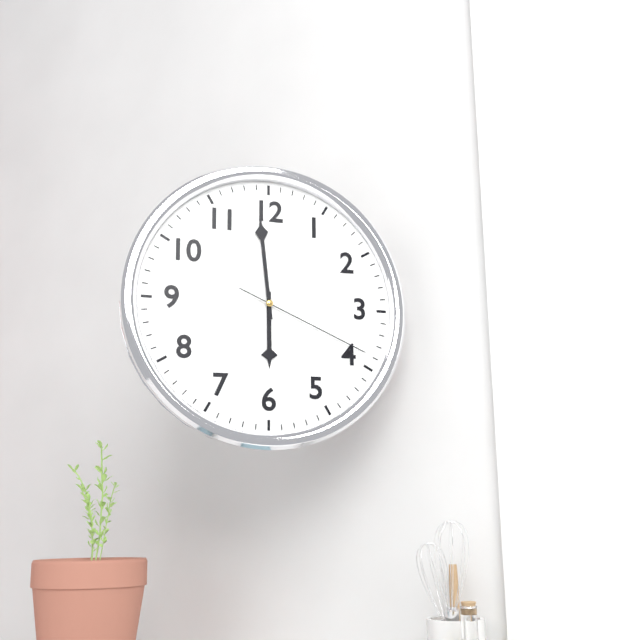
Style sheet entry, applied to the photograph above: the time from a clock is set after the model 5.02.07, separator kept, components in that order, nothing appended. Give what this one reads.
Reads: 5.59.19
